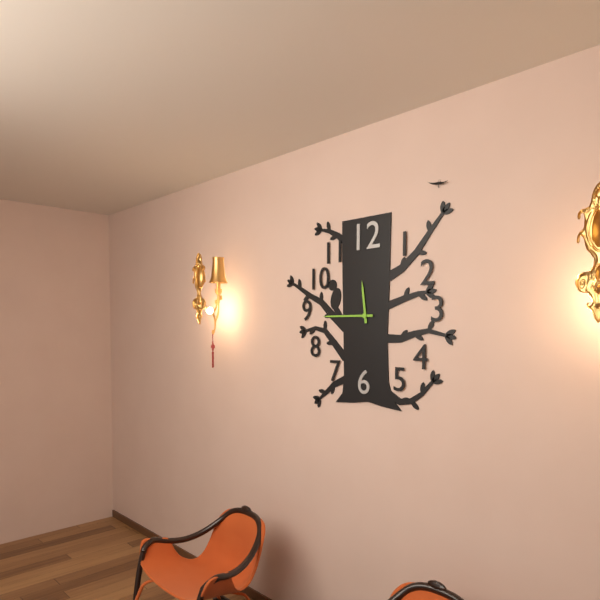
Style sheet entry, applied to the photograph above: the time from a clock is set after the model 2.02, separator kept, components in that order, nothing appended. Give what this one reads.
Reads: 11.45
